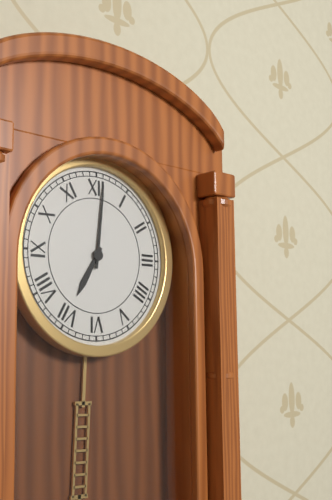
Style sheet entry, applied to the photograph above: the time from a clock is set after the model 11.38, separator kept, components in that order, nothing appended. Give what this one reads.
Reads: 7.01
